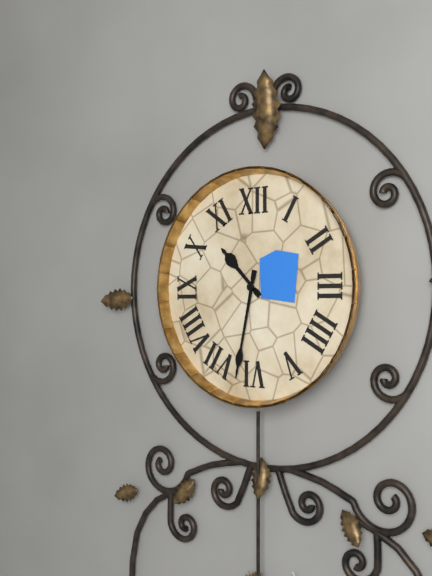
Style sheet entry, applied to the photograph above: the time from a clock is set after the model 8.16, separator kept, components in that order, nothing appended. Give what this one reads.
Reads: 10.32
